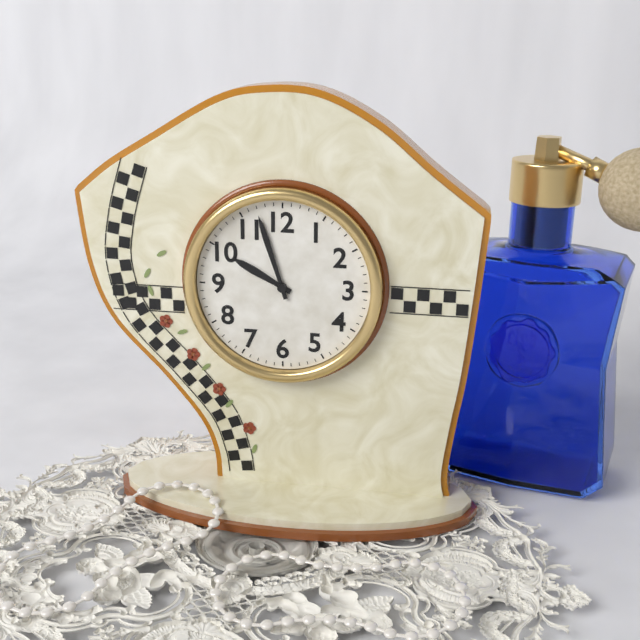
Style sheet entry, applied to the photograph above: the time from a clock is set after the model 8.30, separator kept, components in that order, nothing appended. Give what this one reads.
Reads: 9.57
